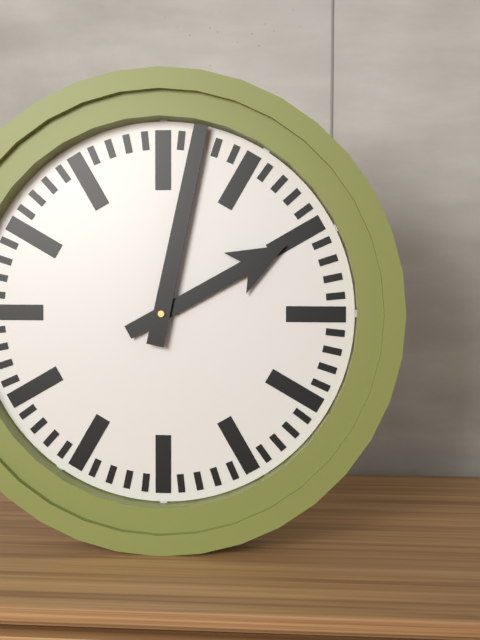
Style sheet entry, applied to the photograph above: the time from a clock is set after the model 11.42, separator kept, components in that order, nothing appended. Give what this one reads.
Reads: 2.02
